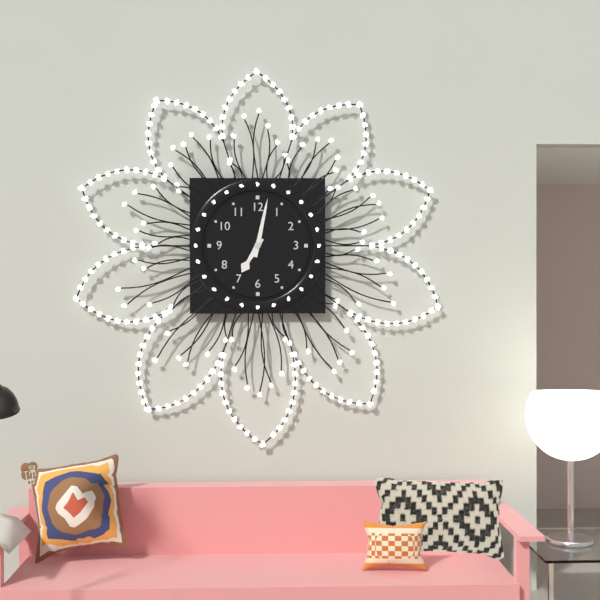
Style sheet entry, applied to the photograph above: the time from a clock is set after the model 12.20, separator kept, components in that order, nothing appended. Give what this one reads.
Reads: 7.02
